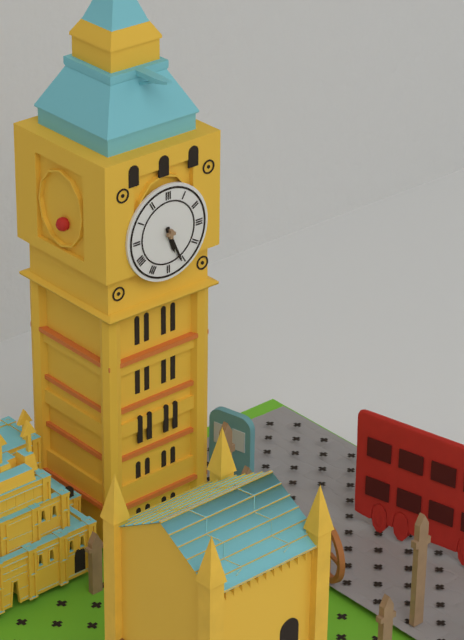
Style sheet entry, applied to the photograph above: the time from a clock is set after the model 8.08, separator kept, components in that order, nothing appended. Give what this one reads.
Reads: 5.26
